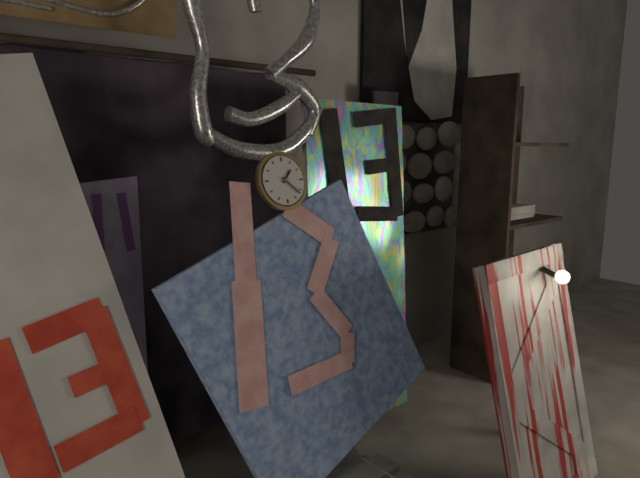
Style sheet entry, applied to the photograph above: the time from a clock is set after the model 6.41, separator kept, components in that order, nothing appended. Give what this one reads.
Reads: 1.22
